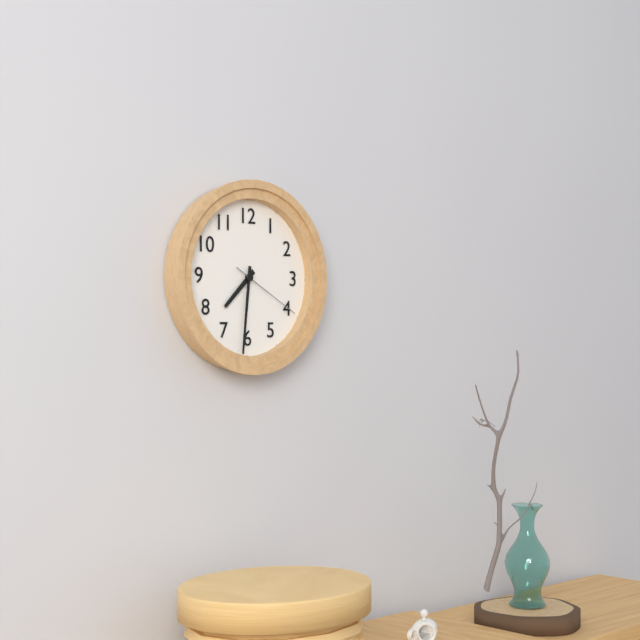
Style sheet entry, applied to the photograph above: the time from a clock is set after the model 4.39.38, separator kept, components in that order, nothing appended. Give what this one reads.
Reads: 7.31.20
